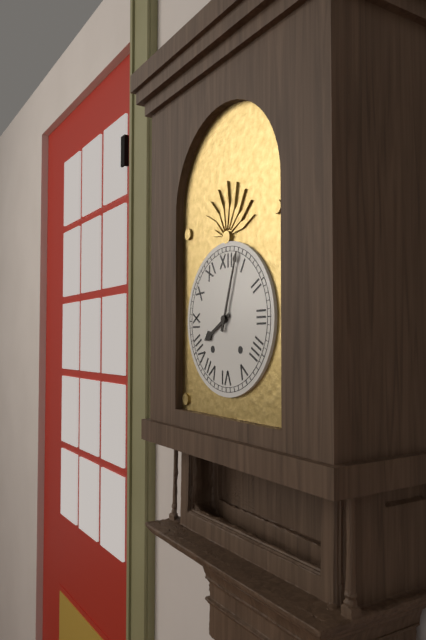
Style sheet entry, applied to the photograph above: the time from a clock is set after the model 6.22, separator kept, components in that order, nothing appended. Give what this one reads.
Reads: 8.03
